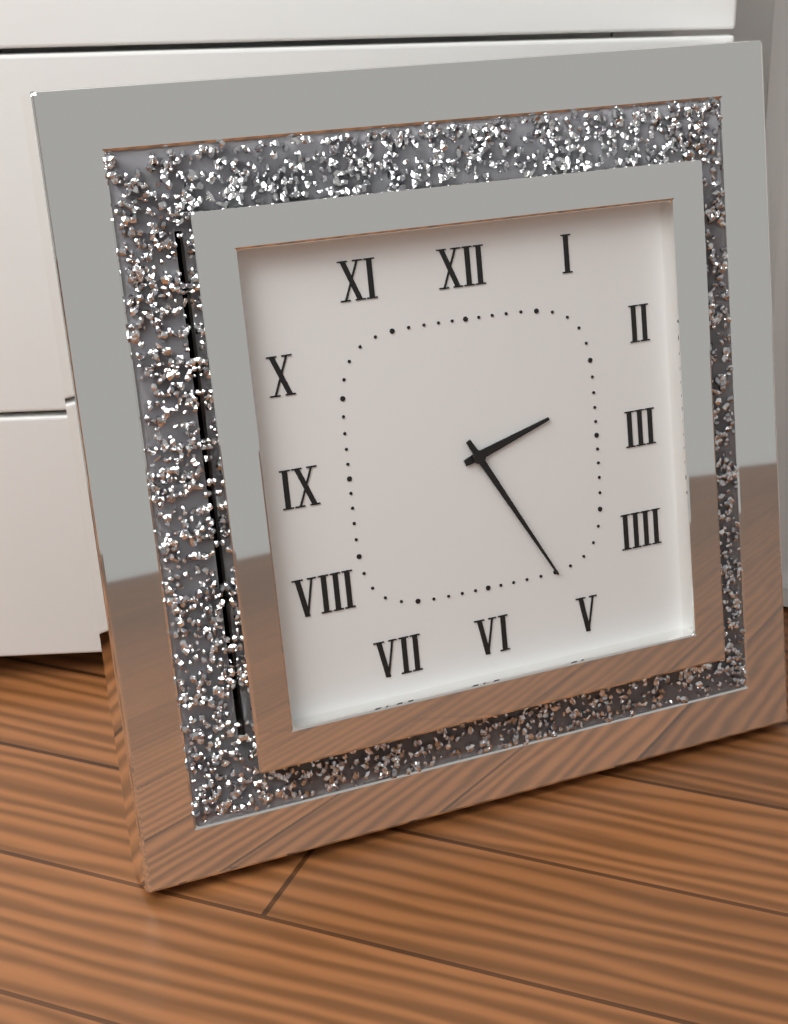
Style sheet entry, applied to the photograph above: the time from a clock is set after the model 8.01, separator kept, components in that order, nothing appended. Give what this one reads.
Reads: 2.25
